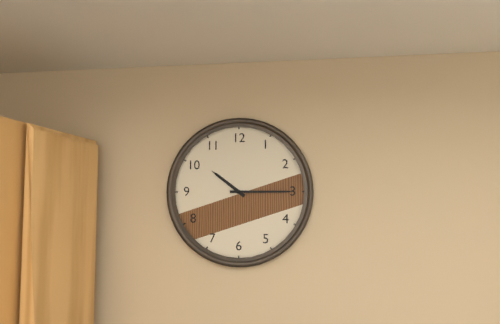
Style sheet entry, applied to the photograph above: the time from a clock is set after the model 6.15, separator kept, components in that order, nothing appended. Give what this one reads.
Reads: 10.15
